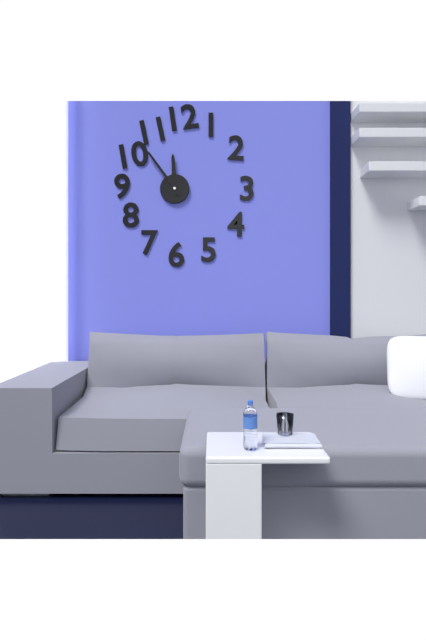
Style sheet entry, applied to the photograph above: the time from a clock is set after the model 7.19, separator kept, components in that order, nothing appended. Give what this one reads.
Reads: 11.54
